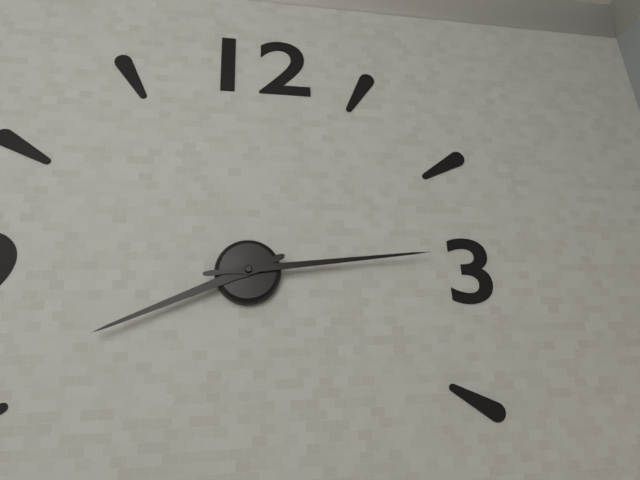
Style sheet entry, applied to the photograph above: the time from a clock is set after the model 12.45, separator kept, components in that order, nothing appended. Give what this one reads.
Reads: 8.14
